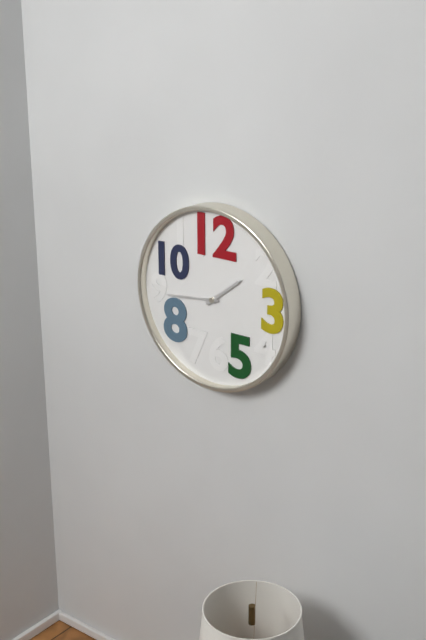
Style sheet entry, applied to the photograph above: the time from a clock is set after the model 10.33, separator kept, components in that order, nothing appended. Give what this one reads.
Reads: 1.44
